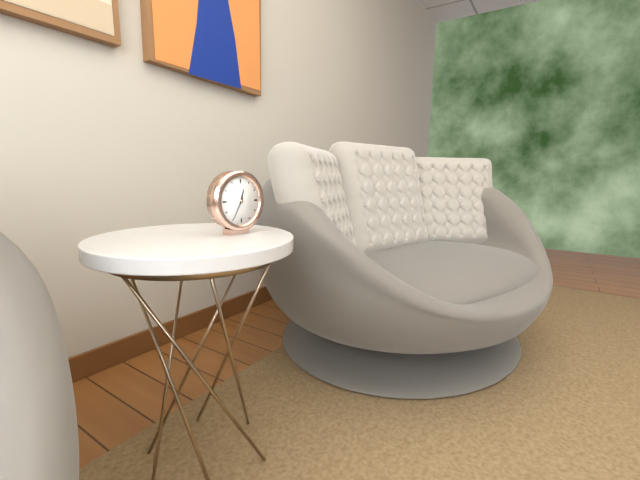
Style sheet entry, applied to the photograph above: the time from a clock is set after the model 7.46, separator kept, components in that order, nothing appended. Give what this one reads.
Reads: 12.35
